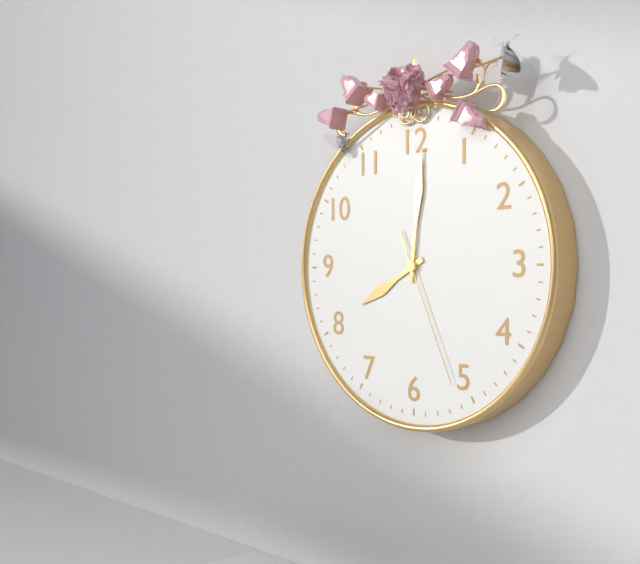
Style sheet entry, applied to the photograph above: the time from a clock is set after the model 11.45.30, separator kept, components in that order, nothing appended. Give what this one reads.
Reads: 8.01.26
